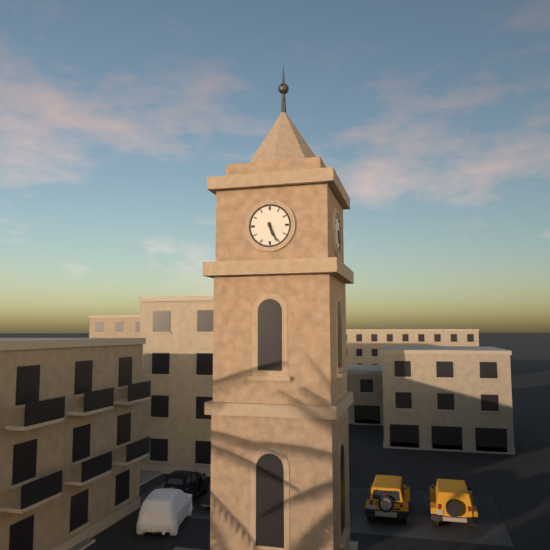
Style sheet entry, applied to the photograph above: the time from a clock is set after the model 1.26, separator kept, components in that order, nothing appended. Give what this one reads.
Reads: 5.26
